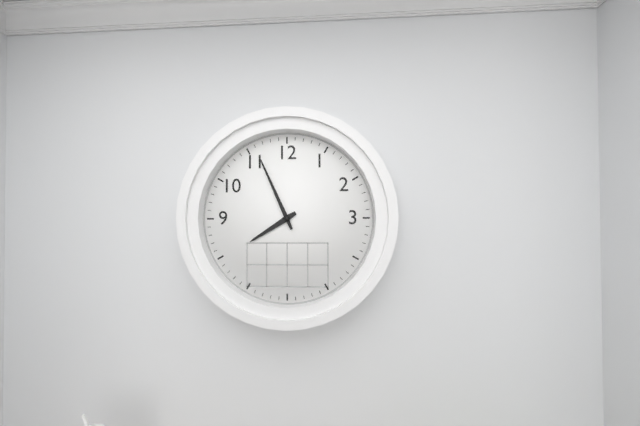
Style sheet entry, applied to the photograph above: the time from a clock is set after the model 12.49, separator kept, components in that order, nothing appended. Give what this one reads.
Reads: 7.56
